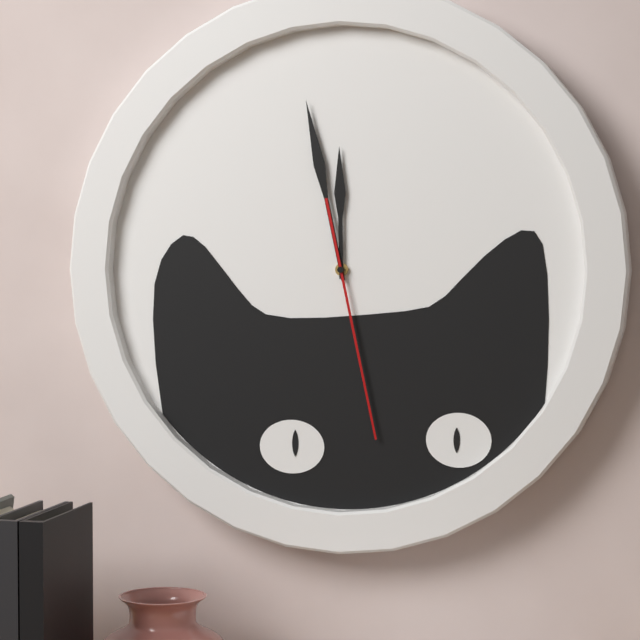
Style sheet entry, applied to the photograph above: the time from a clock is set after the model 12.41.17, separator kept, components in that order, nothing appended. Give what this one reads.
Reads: 11.58.28
